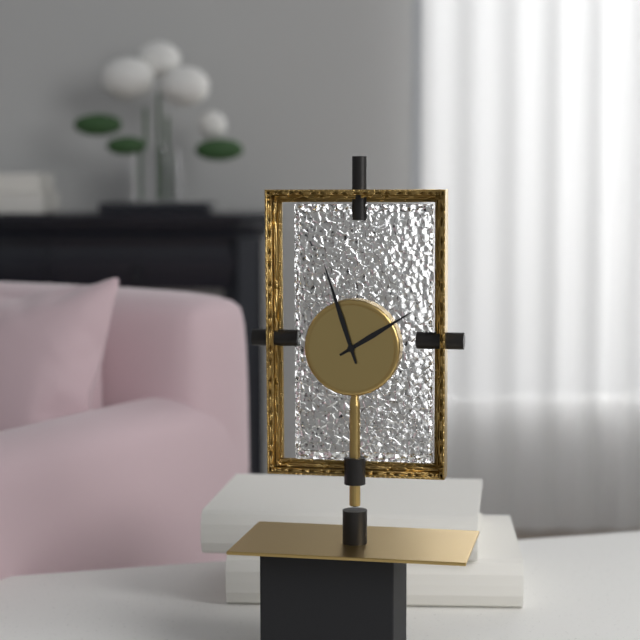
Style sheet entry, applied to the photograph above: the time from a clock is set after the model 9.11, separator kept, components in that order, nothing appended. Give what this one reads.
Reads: 1.57
